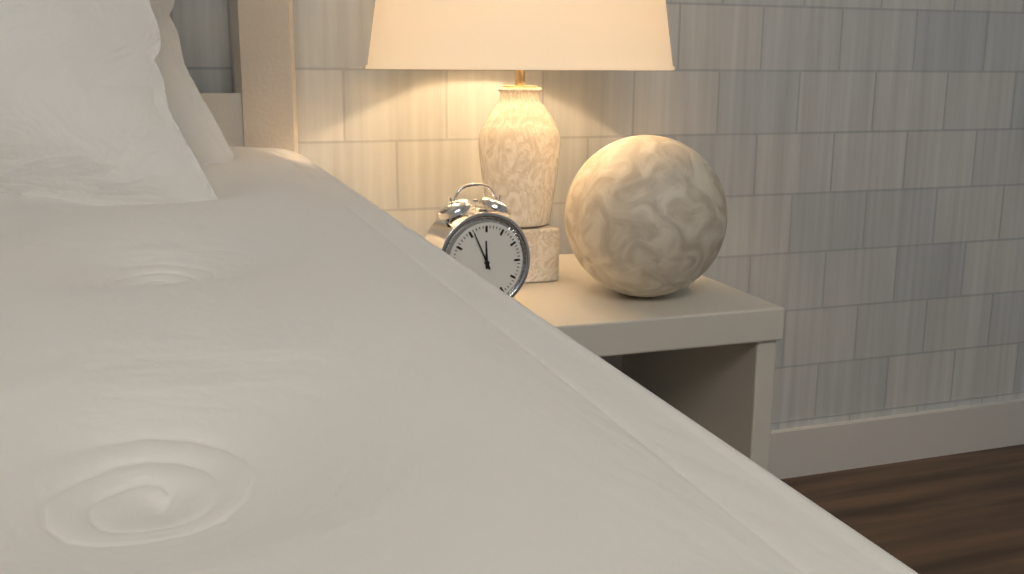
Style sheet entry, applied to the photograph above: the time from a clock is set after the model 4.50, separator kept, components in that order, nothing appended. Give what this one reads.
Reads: 11.56
